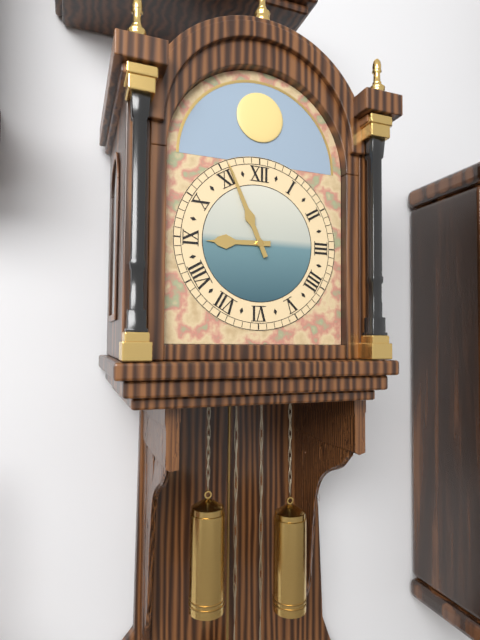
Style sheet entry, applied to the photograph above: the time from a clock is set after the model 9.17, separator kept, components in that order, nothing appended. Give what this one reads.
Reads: 8.56
